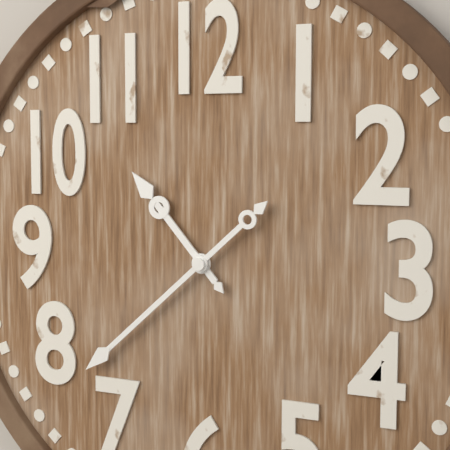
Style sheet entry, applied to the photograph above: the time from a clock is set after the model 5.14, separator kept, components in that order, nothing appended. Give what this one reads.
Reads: 10.38
